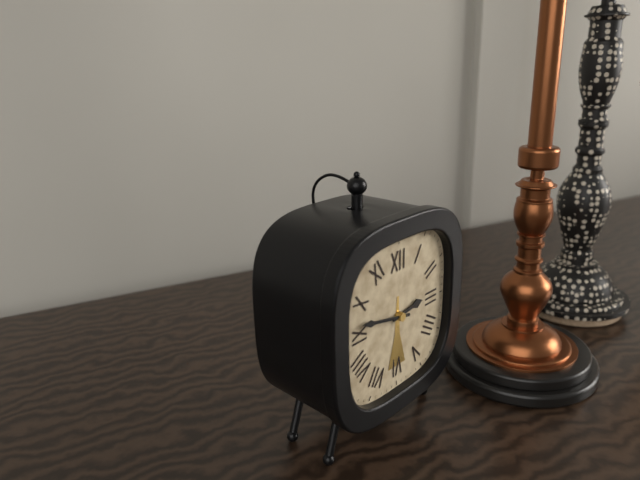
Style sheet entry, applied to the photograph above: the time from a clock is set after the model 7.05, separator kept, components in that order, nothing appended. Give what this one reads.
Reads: 2.47
